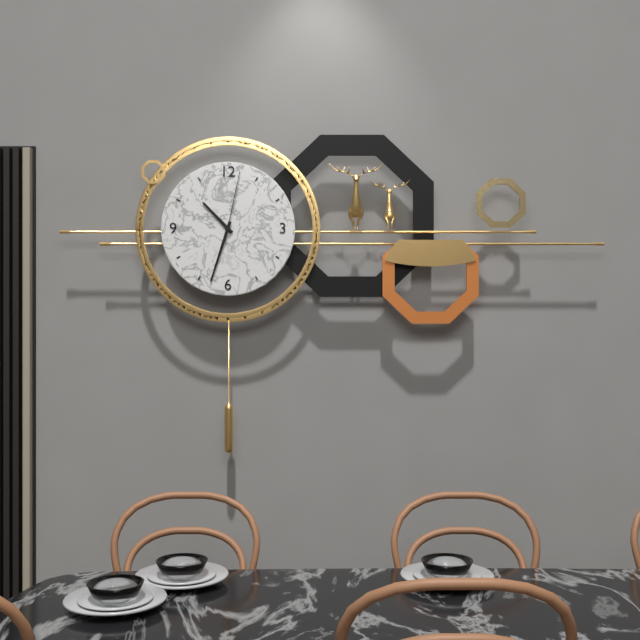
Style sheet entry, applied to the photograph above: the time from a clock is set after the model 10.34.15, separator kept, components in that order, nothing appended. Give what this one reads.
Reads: 10.33.02
